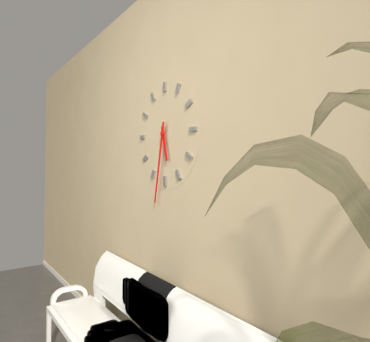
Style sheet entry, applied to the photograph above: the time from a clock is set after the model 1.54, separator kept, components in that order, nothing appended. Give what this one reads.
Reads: 5.32
